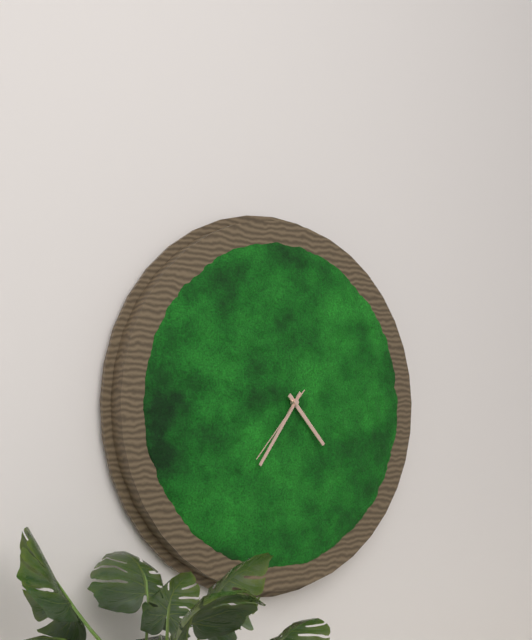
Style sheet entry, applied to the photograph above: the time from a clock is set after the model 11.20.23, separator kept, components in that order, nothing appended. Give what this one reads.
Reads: 4.36.37
